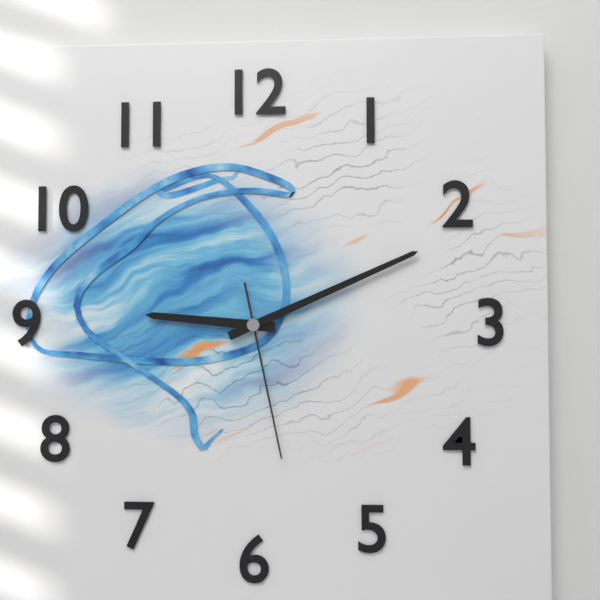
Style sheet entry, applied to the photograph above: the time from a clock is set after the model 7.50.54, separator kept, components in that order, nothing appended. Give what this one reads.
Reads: 9.11.28
